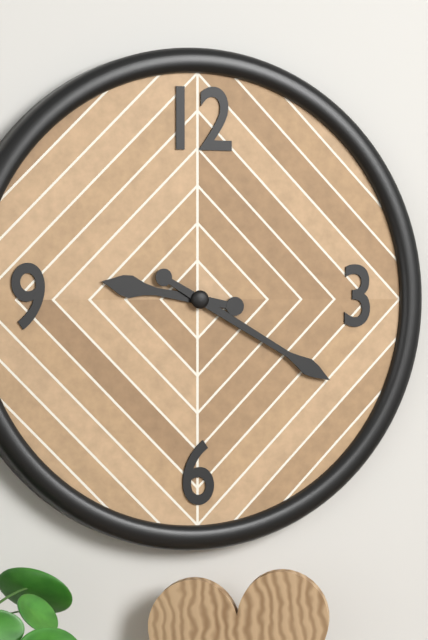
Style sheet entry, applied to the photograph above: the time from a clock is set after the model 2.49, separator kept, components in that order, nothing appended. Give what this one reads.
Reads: 9.20
